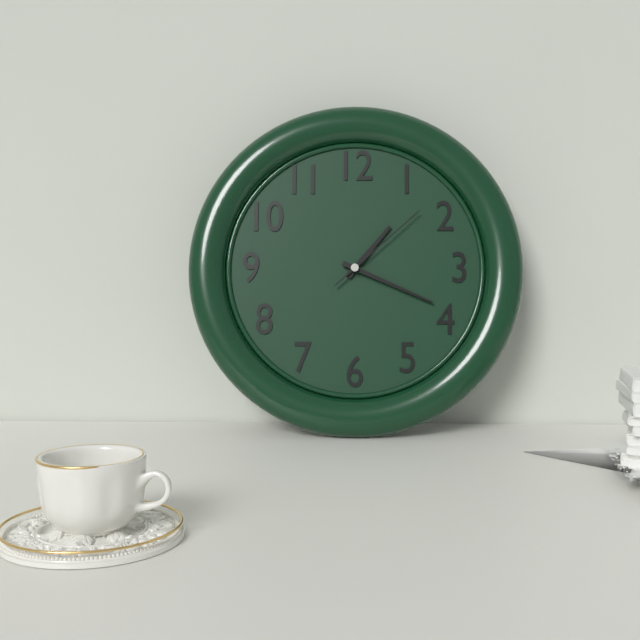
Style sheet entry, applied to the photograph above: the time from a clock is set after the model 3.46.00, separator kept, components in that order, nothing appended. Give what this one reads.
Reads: 1.19.08
